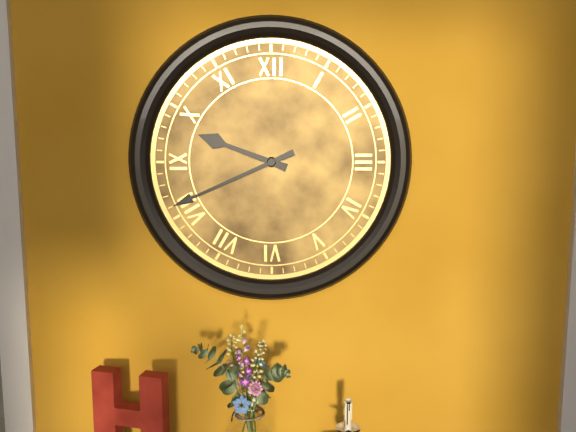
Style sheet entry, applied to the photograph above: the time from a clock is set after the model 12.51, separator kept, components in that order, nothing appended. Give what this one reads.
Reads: 9.41
